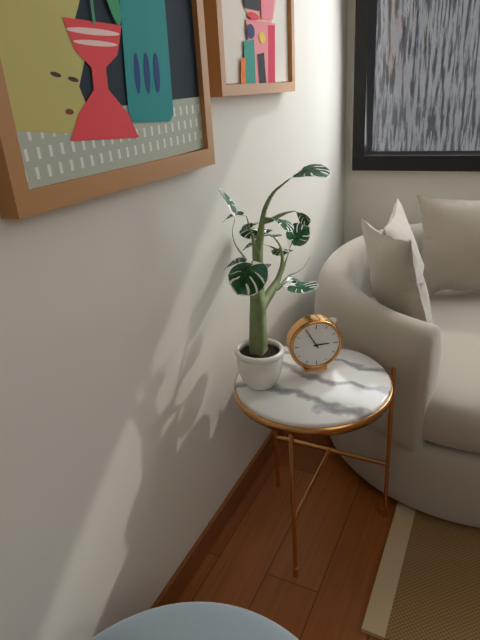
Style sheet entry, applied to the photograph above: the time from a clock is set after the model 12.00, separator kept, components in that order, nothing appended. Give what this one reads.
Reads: 2.55
